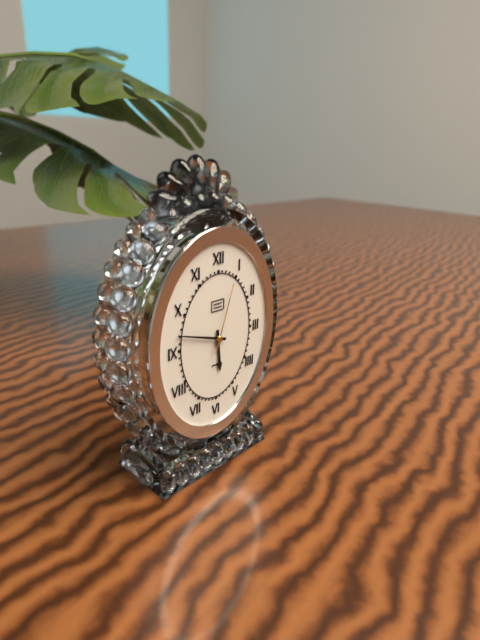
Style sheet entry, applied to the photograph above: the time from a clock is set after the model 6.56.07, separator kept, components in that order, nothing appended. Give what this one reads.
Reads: 5.48.03
